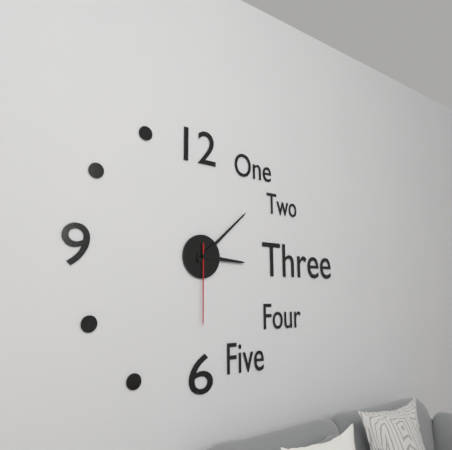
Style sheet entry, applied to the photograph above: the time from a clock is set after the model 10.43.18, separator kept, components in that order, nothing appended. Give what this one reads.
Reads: 3.08.30
